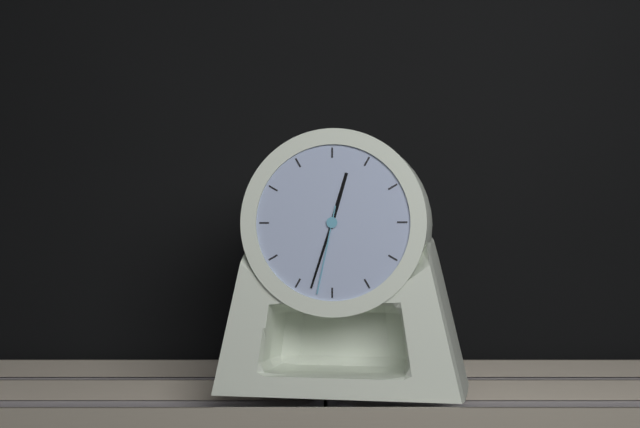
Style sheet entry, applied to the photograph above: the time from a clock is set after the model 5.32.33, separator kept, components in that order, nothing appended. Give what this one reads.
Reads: 12.33.32
